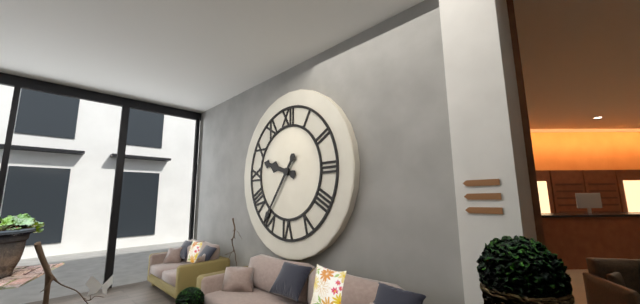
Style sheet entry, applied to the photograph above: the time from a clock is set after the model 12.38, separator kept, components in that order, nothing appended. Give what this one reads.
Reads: 9.36
